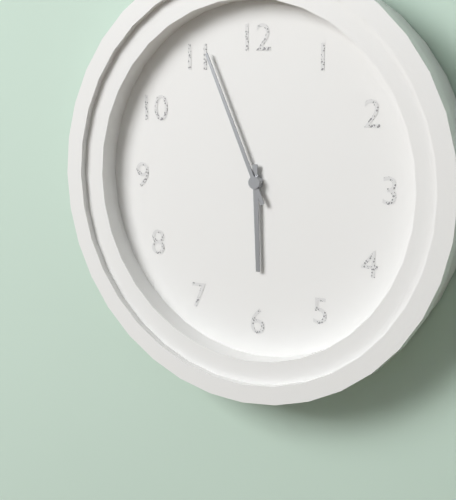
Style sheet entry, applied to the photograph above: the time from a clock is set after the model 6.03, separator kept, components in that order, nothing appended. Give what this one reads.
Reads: 5.56
